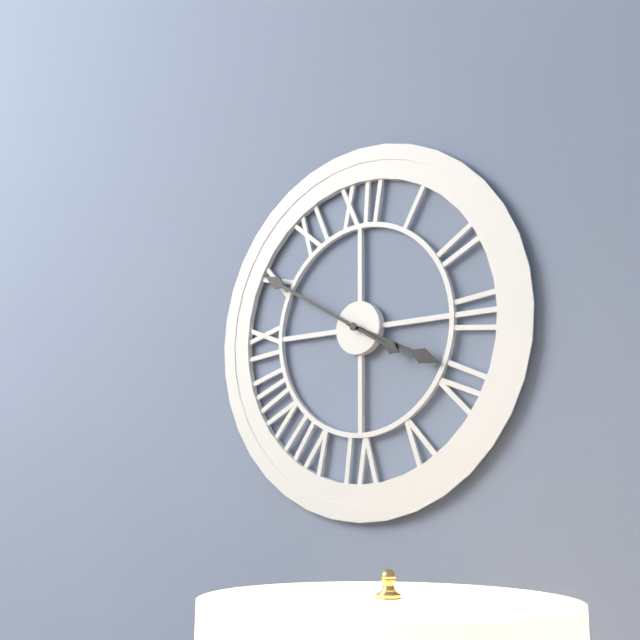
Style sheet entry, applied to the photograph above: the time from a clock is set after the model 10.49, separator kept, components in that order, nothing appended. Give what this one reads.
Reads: 3.50
